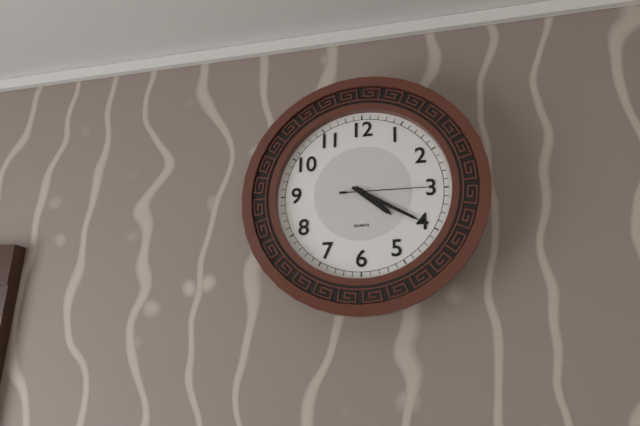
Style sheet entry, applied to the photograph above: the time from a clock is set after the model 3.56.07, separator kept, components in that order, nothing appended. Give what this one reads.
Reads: 4.20.15
